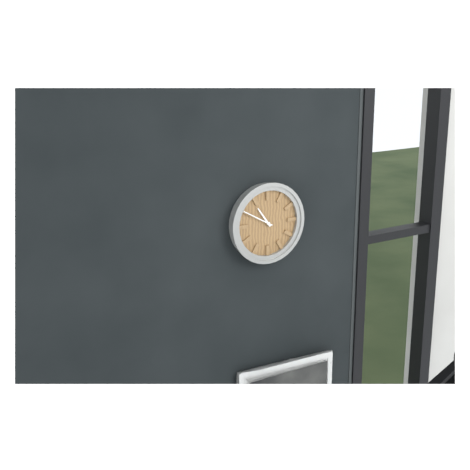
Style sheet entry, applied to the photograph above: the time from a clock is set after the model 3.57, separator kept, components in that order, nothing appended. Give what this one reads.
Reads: 10.50
